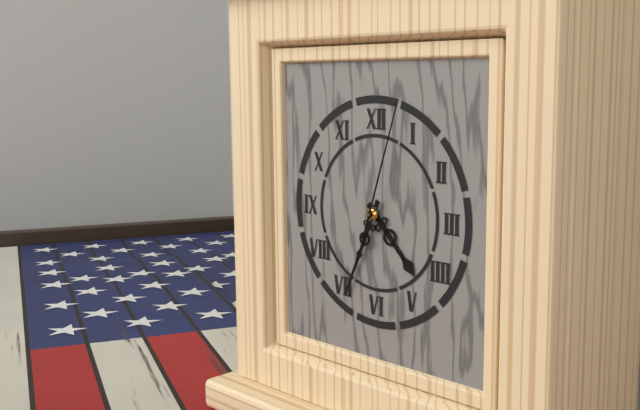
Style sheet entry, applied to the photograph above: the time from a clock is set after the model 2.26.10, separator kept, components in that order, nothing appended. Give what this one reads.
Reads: 4.34.03
